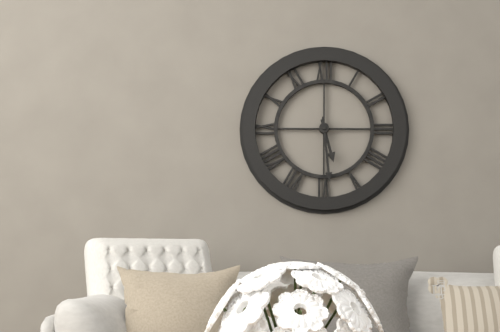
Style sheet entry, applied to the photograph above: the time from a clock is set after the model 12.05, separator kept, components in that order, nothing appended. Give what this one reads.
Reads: 5.29
